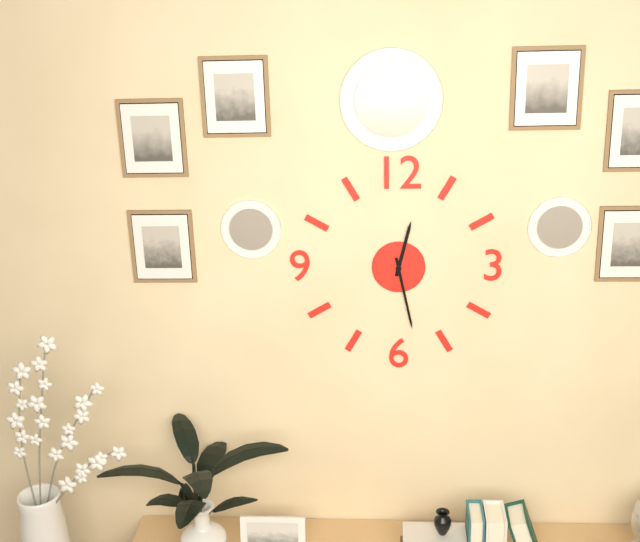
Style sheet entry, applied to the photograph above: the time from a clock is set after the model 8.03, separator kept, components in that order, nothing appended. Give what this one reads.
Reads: 12.28
